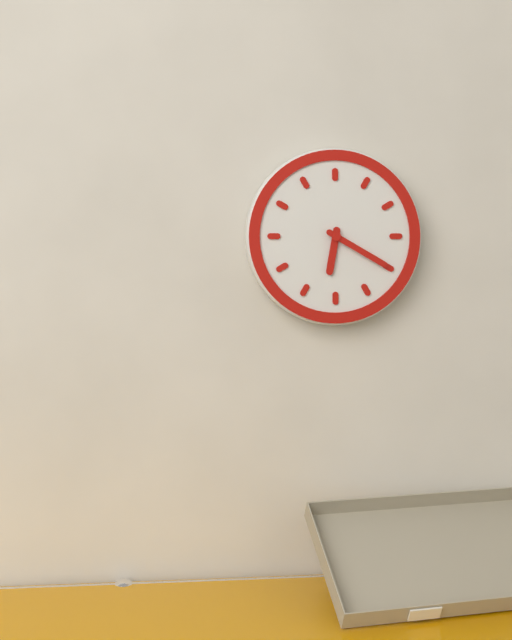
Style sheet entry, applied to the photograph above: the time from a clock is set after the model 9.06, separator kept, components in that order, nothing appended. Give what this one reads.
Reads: 6.20
